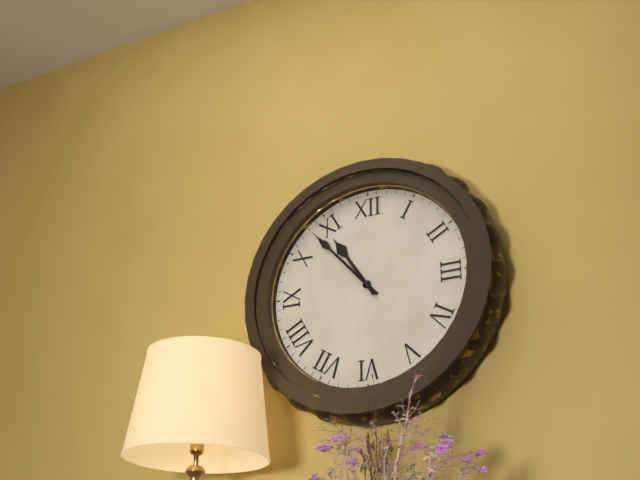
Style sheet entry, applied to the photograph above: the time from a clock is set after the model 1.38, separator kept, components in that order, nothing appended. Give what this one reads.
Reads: 10.53
